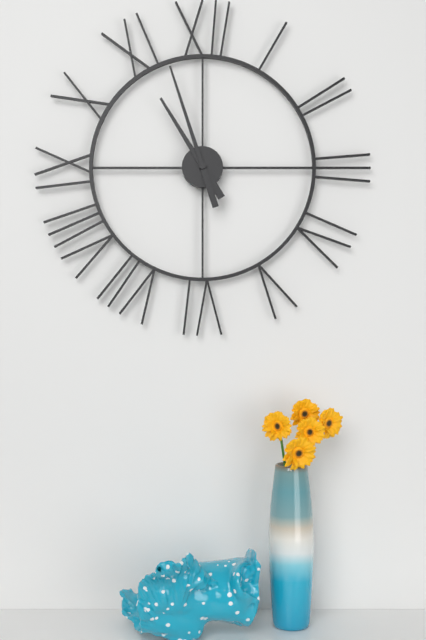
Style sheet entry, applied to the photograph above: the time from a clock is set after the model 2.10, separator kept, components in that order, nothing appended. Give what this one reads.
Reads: 10.57
